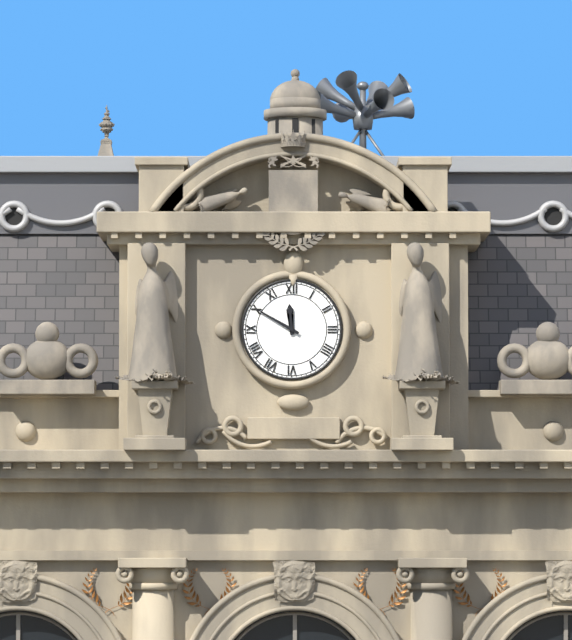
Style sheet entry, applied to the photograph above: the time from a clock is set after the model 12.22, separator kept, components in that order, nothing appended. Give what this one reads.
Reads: 11.50
